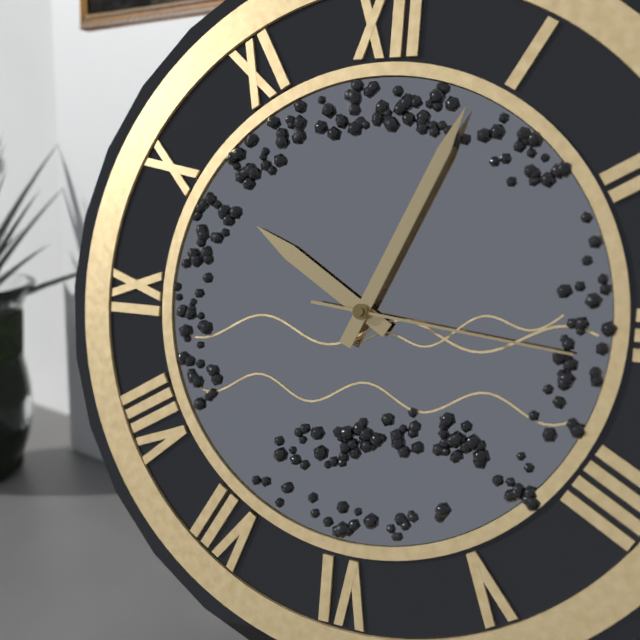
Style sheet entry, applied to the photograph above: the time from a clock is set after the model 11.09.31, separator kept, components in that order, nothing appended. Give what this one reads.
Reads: 10.04.16
